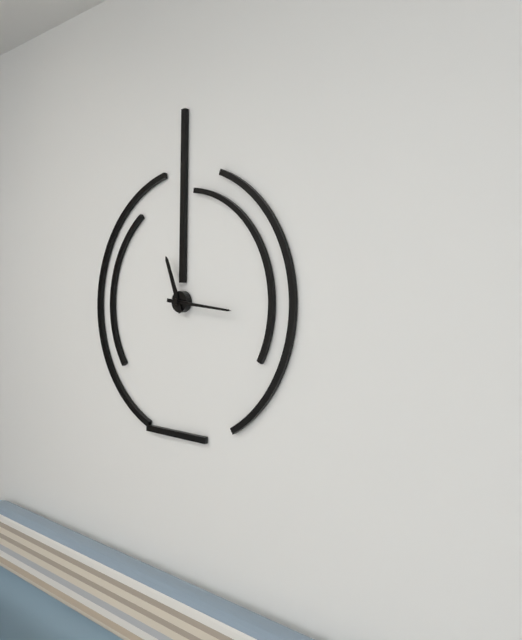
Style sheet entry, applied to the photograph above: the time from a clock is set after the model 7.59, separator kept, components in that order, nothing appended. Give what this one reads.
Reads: 11.16
